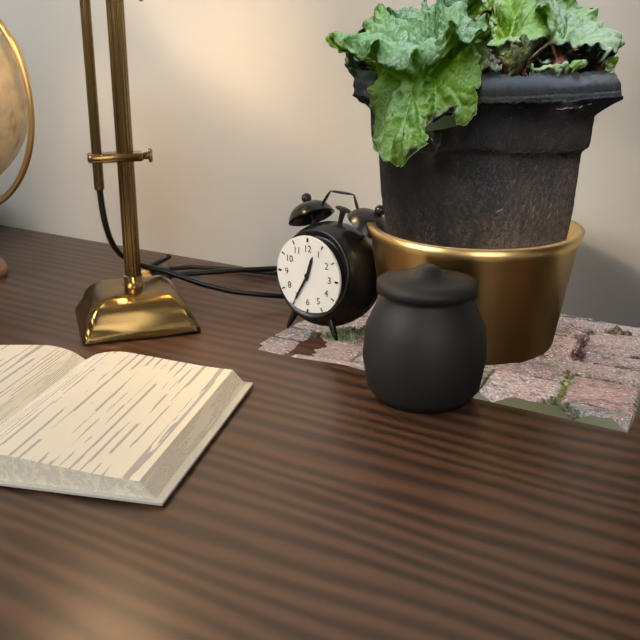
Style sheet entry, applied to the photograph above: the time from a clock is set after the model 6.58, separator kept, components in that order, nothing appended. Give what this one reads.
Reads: 12.35
